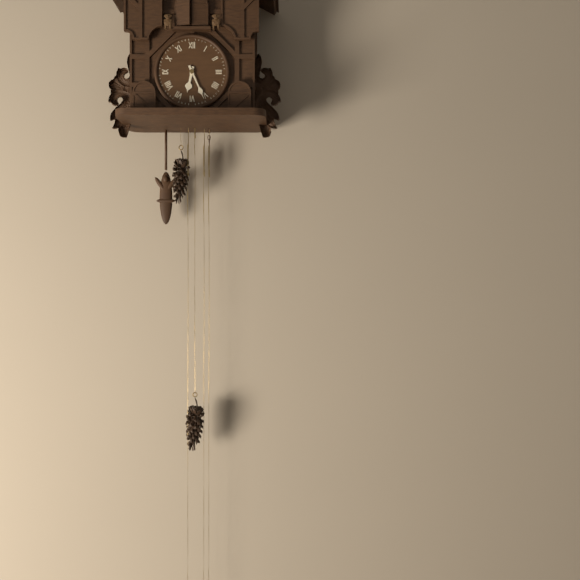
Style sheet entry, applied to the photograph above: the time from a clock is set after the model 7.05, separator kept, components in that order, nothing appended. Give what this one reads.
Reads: 6.26
